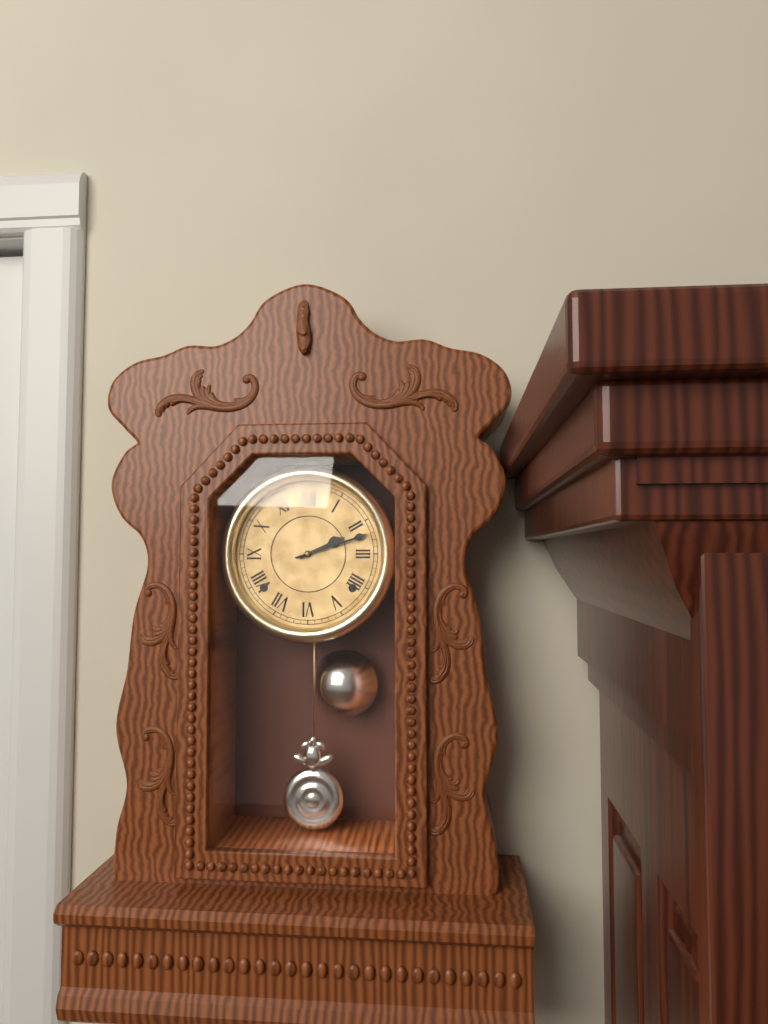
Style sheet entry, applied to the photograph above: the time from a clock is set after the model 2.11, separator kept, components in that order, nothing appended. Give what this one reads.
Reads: 2.12
